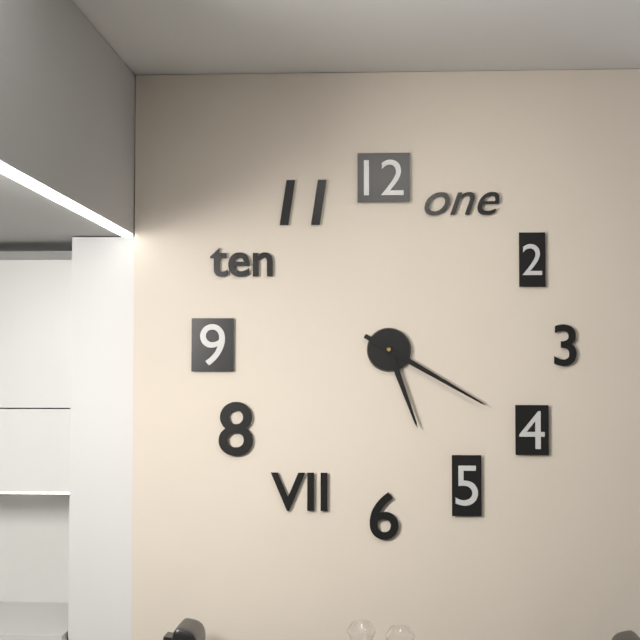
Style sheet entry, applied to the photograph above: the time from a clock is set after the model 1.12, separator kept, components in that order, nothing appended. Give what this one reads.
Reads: 5.20
